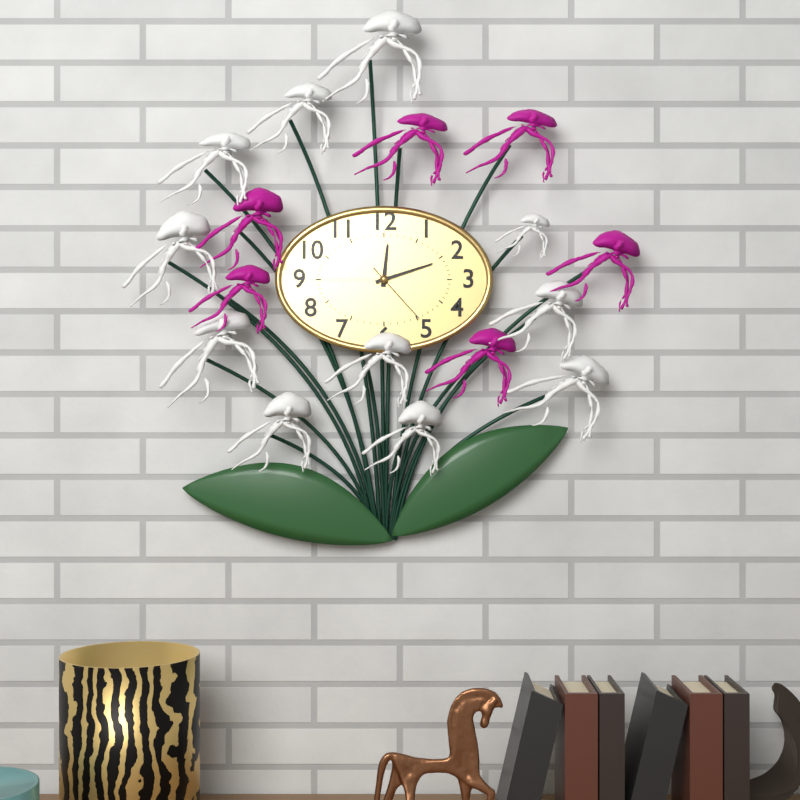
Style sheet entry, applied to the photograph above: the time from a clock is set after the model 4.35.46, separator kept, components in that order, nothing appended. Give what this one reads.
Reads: 12.12.23
